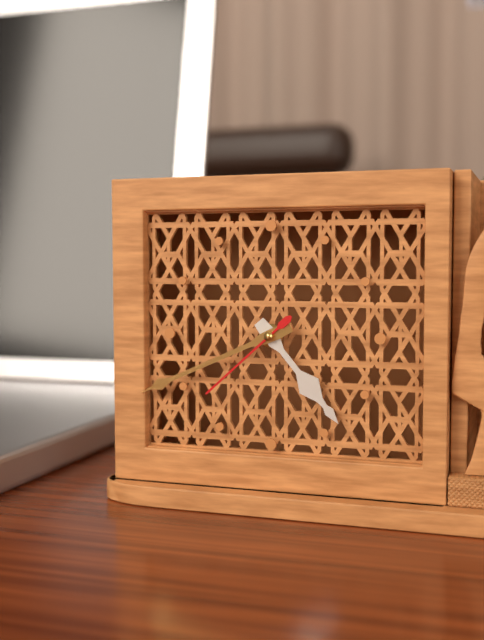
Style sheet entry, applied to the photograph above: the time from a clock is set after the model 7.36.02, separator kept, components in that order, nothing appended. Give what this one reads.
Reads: 4.41.38
